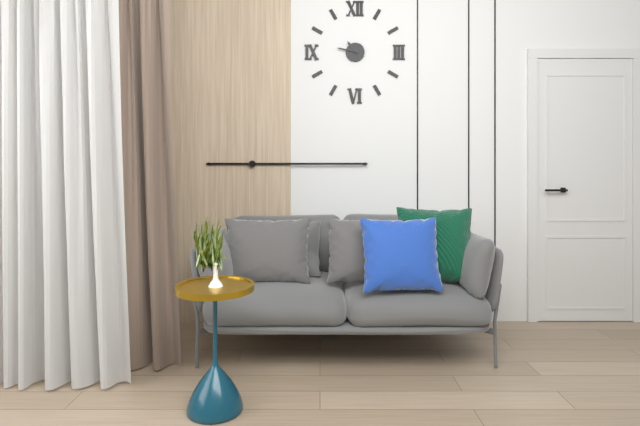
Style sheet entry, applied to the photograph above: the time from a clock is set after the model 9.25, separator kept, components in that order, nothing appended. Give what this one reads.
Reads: 10.47
